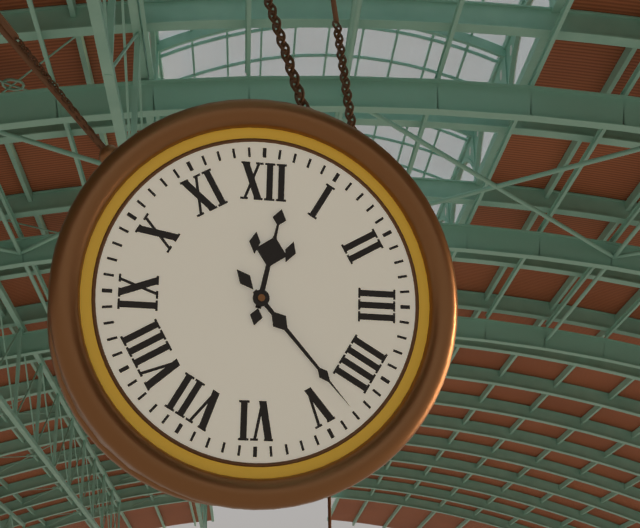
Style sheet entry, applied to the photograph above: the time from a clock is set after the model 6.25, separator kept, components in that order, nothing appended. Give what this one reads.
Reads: 12.23
